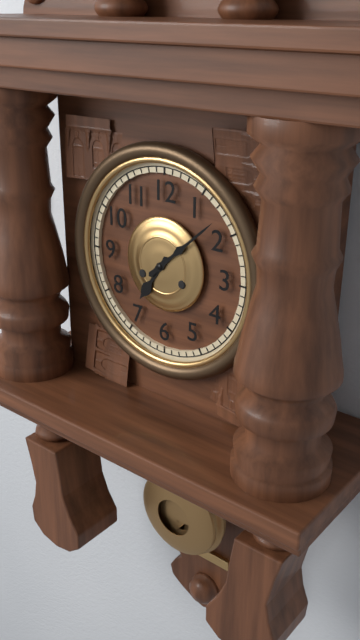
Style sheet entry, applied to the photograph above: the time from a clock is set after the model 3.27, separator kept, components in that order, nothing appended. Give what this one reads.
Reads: 7.08
